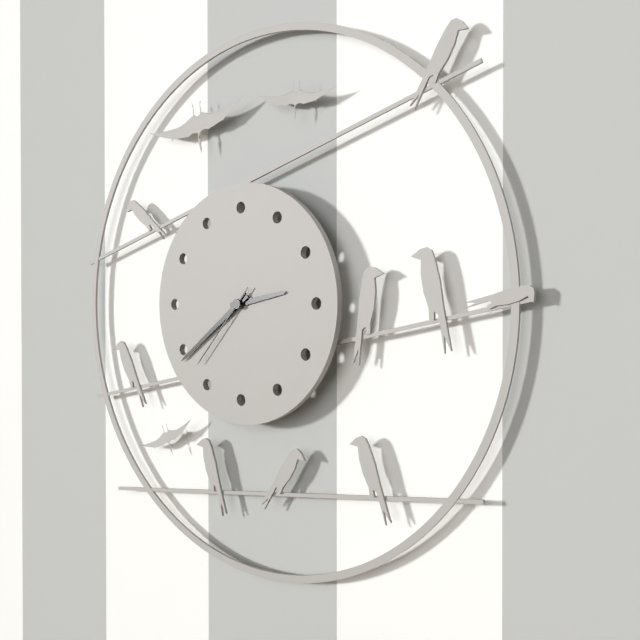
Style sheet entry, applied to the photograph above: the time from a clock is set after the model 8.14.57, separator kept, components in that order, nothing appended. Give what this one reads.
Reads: 2.39.37
